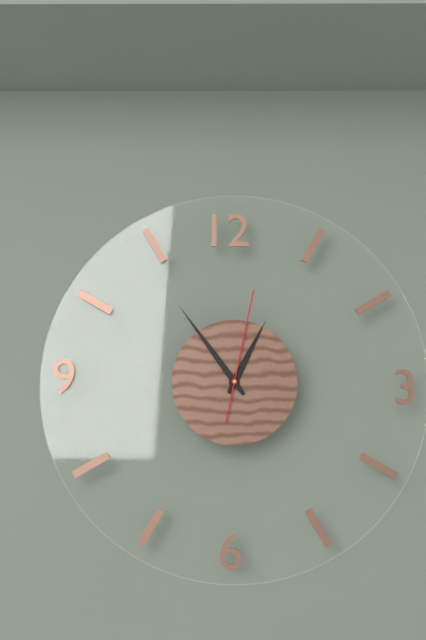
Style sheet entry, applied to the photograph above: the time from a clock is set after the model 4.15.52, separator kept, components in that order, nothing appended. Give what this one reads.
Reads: 12.54.02
